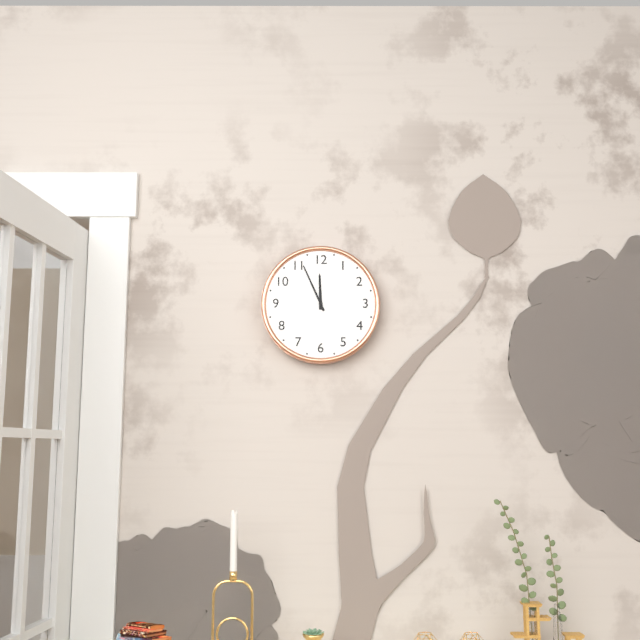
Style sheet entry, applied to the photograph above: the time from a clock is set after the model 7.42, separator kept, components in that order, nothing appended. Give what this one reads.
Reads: 11.56
